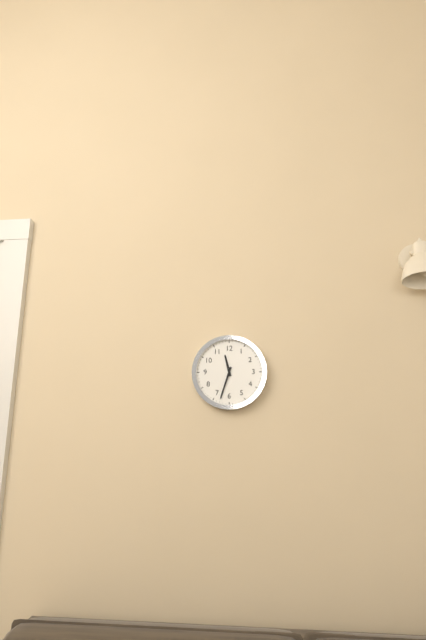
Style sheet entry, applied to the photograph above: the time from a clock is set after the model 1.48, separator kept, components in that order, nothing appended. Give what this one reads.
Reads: 11.33
